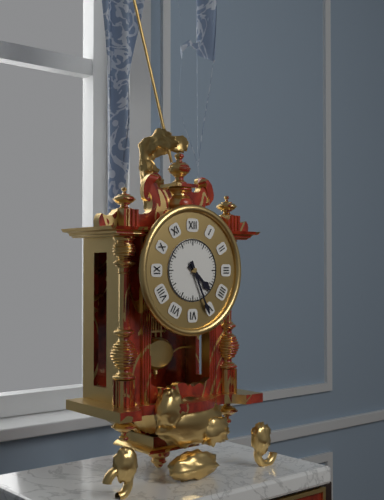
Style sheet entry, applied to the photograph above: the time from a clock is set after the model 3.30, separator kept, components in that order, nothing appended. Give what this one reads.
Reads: 4.26
